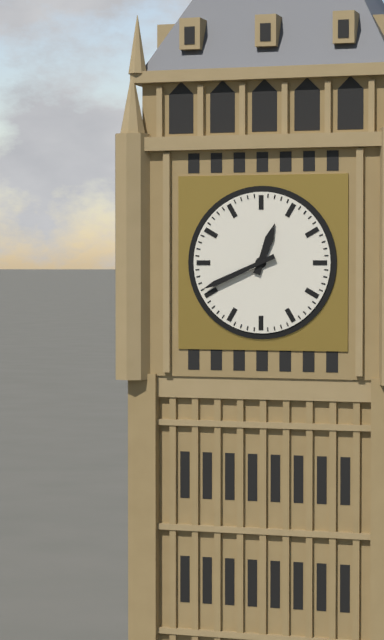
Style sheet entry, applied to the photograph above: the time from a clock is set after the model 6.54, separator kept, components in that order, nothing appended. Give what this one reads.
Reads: 12.41
